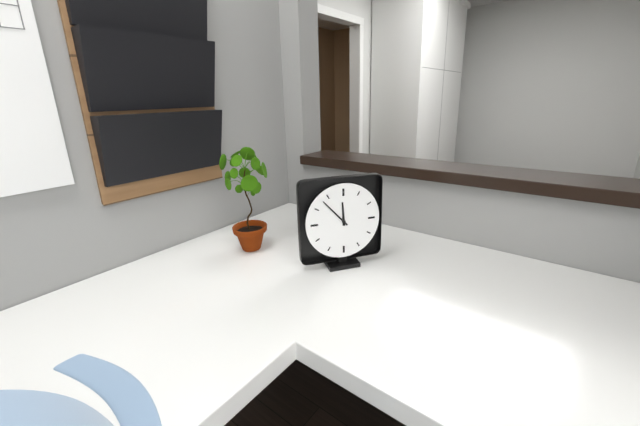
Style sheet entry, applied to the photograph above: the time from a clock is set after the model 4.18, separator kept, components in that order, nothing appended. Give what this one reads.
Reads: 11.53
